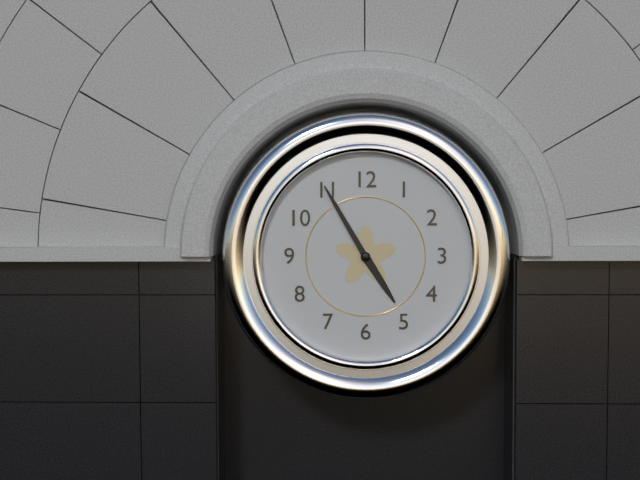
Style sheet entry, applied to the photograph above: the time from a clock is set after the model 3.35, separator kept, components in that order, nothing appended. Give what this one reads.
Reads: 4.55
